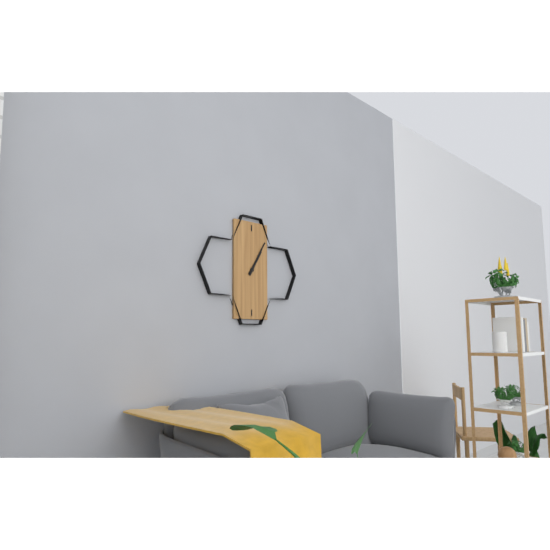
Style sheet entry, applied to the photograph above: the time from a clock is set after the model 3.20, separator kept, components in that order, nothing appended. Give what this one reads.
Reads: 1.05
